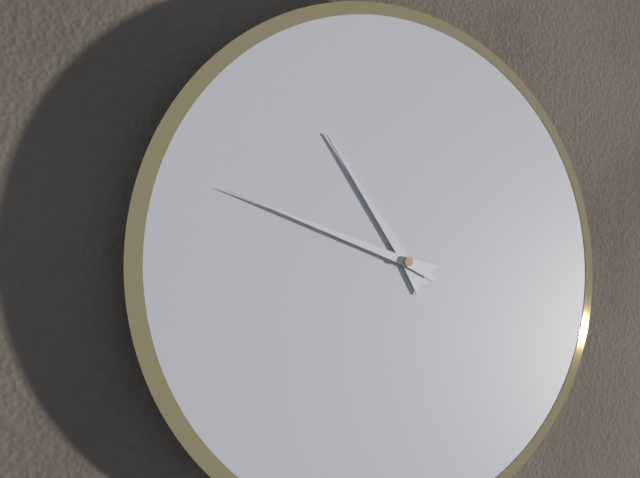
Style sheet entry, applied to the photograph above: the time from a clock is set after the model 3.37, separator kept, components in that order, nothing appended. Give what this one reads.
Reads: 10.48
